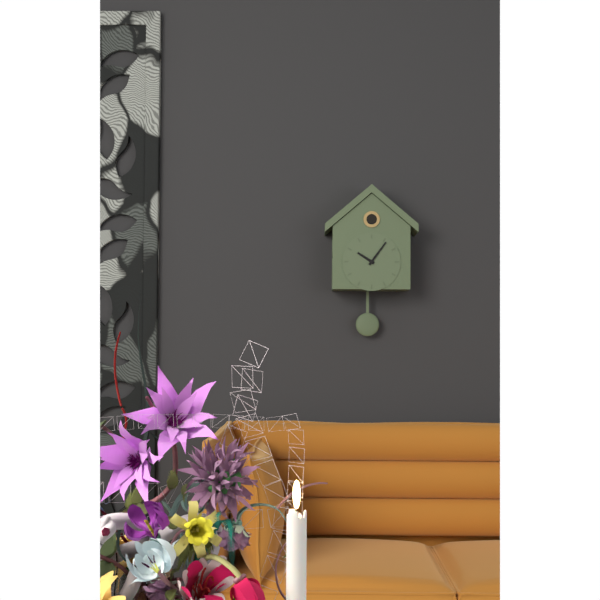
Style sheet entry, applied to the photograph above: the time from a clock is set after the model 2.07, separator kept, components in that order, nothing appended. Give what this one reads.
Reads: 10.06
